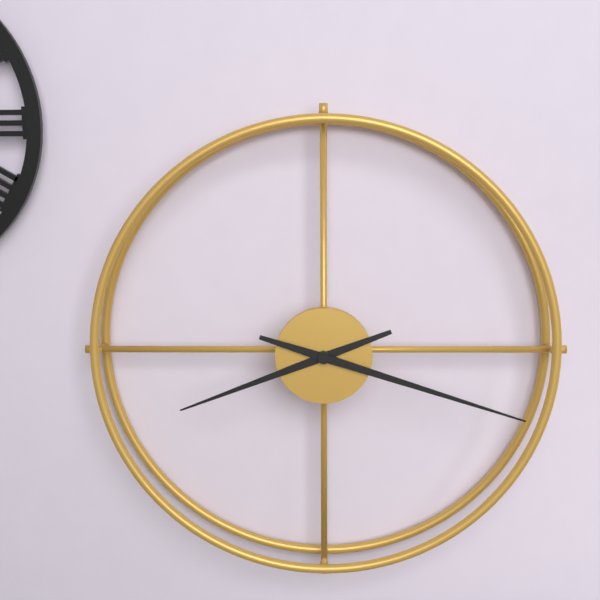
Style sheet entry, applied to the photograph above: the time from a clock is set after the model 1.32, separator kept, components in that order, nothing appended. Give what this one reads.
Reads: 8.18
